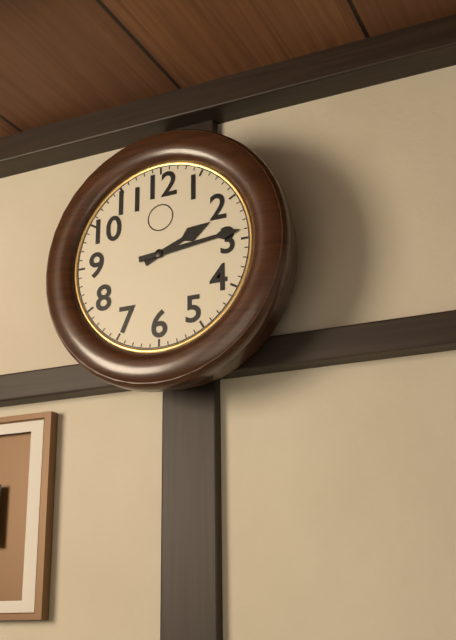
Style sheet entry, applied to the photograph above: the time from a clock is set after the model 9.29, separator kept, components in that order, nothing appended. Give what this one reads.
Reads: 2.14
